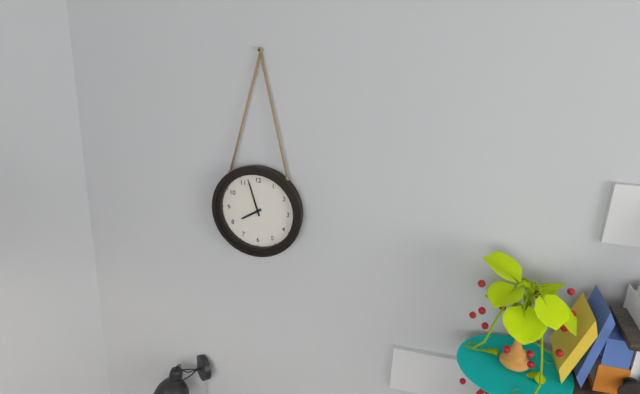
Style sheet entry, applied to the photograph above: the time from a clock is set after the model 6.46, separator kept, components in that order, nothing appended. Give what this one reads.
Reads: 7.57
